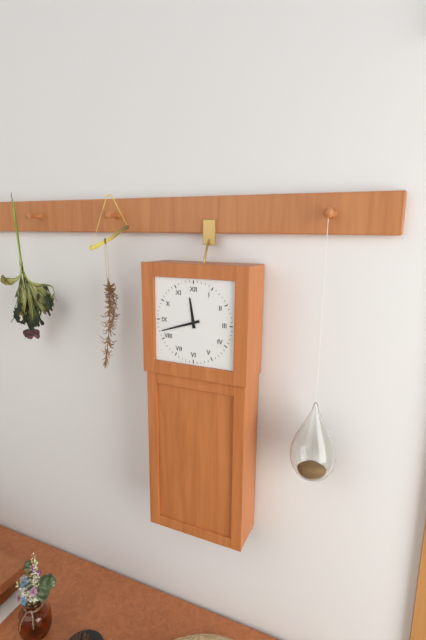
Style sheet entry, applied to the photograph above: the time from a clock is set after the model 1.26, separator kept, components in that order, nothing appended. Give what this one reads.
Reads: 11.42
